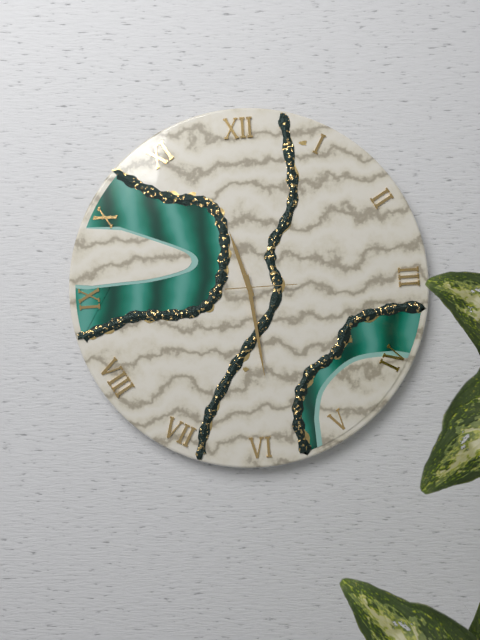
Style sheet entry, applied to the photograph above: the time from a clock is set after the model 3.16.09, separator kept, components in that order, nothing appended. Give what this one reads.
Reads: 11.29.15
